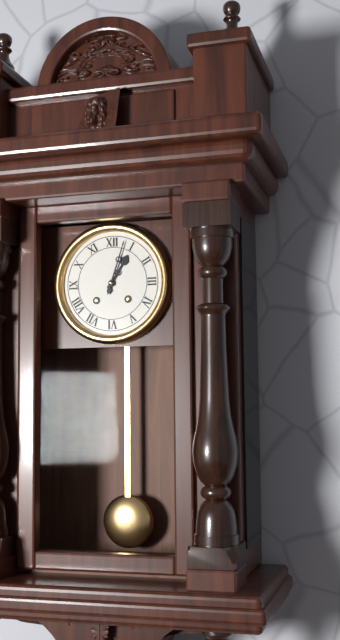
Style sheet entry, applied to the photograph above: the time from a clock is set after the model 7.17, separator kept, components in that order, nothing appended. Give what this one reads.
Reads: 1.03
